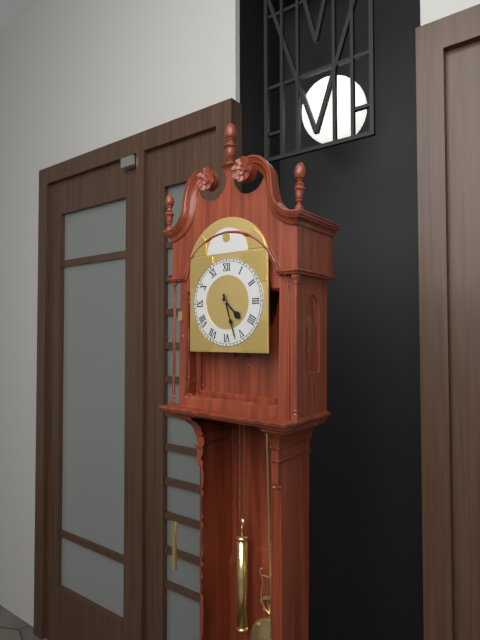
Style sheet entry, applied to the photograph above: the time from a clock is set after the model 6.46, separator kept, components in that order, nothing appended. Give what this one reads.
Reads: 4.27
